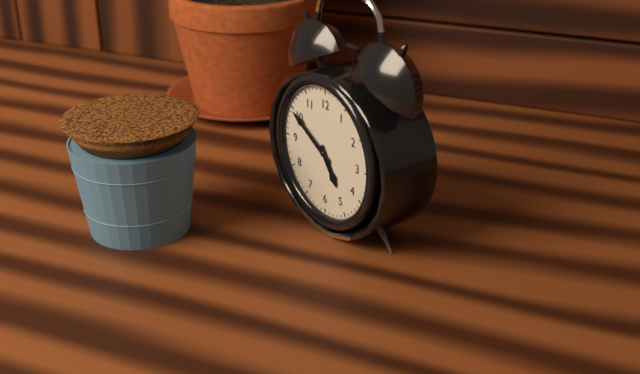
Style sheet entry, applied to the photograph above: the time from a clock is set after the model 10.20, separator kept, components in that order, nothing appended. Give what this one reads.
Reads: 4.50
